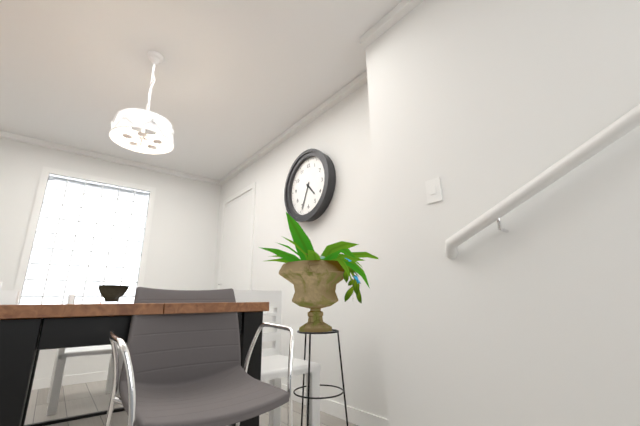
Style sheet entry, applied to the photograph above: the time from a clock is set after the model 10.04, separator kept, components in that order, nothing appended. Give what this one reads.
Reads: 4.34
